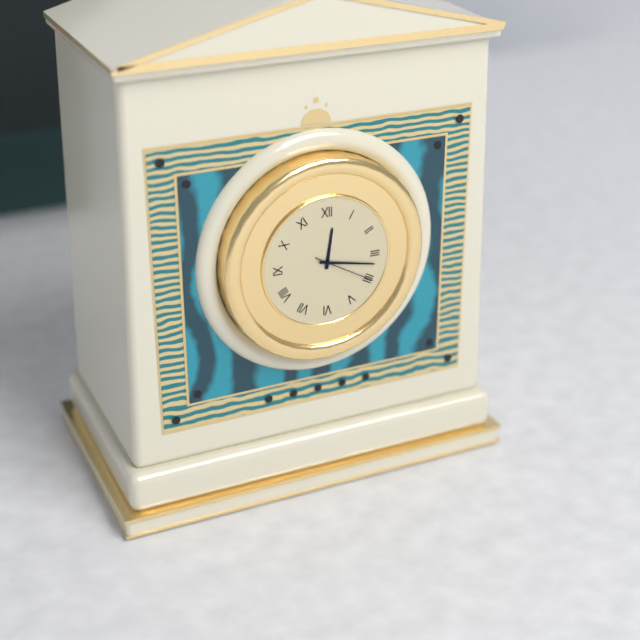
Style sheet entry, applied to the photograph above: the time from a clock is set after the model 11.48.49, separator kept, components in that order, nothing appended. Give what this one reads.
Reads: 12.17.20
